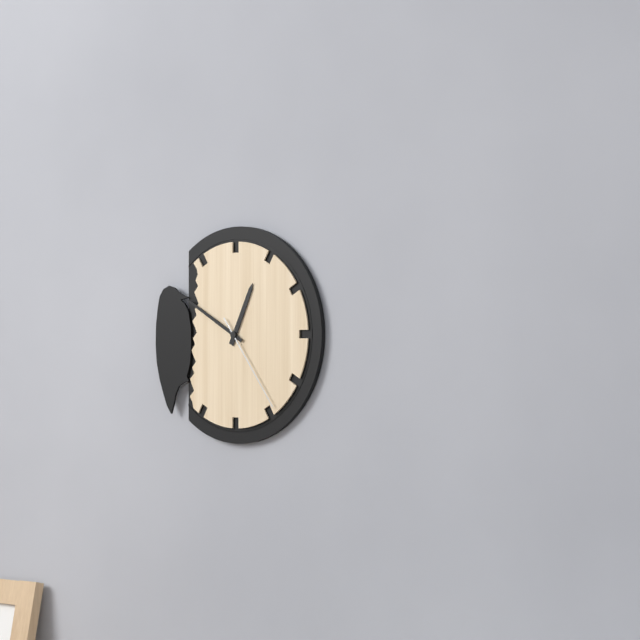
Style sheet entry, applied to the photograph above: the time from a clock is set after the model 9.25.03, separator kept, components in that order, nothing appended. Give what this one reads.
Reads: 12.50.24
